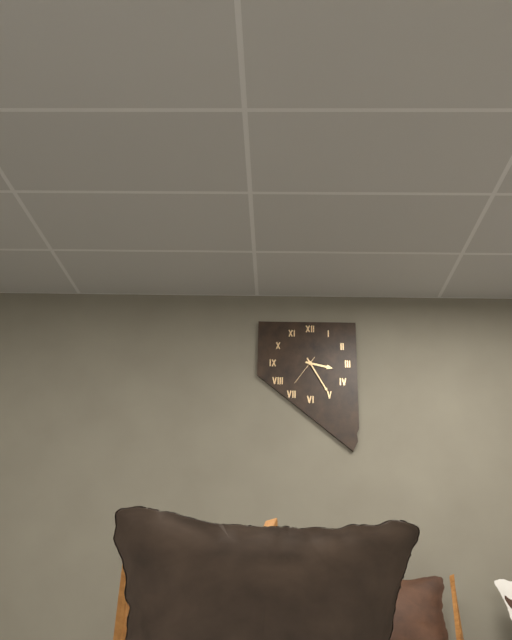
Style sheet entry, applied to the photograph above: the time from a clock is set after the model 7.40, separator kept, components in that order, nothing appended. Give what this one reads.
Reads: 3.25
